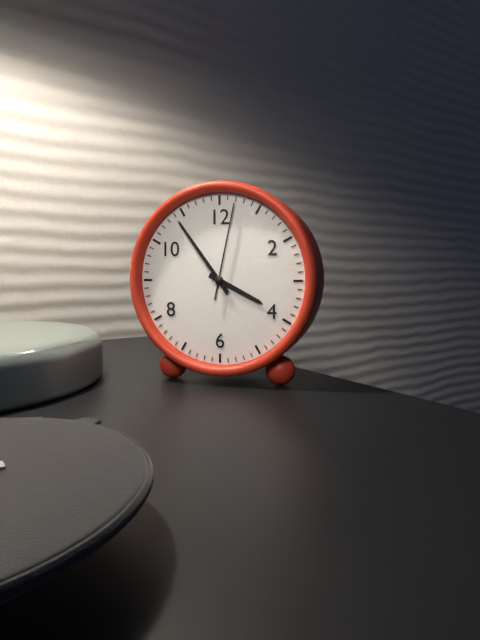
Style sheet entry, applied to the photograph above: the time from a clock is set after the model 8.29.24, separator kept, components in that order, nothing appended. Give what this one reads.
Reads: 3.54.02
